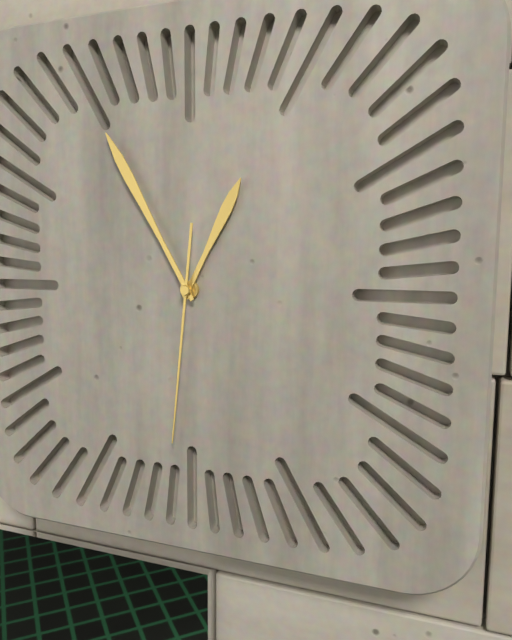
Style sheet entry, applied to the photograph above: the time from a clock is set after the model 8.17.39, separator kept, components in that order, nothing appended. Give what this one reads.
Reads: 12.55.31
